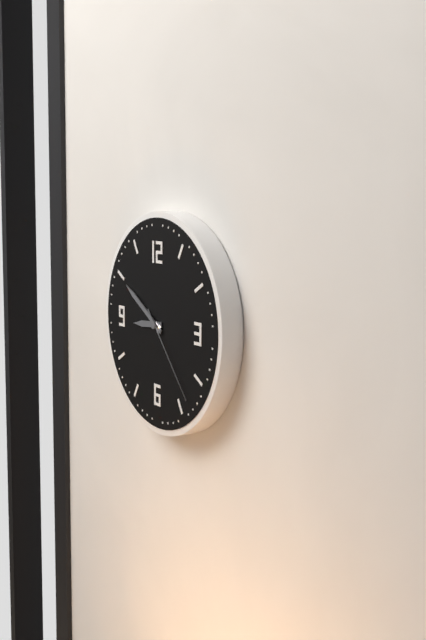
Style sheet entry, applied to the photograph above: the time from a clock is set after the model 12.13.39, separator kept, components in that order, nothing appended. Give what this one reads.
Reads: 8.50.23
